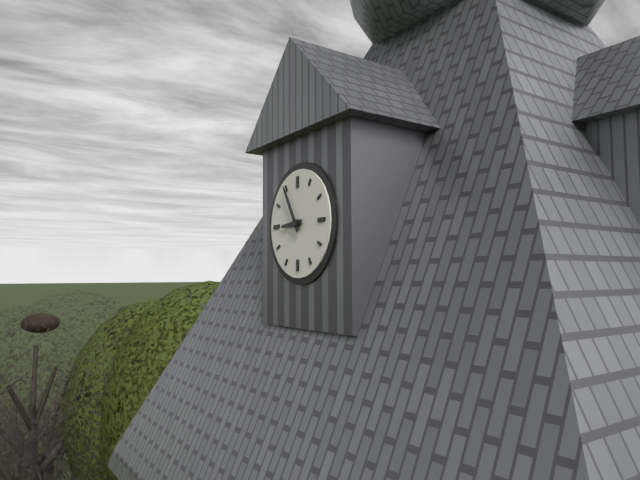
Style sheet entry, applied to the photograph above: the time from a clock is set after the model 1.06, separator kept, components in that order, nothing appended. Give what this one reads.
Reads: 8.55
